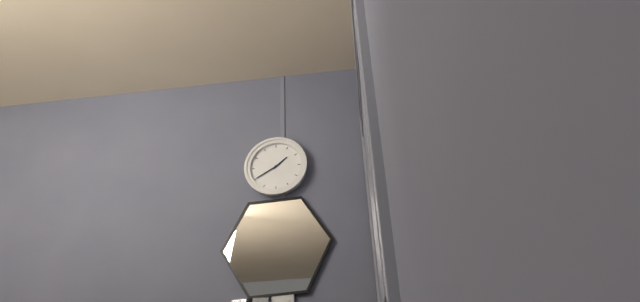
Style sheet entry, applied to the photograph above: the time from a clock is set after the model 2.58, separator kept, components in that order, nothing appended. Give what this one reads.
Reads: 1.40
